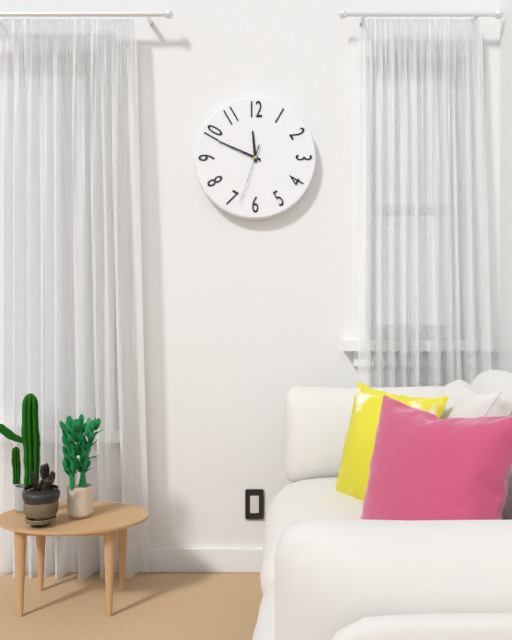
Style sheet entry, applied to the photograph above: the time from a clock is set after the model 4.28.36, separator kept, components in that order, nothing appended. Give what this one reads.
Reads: 11.49.33
